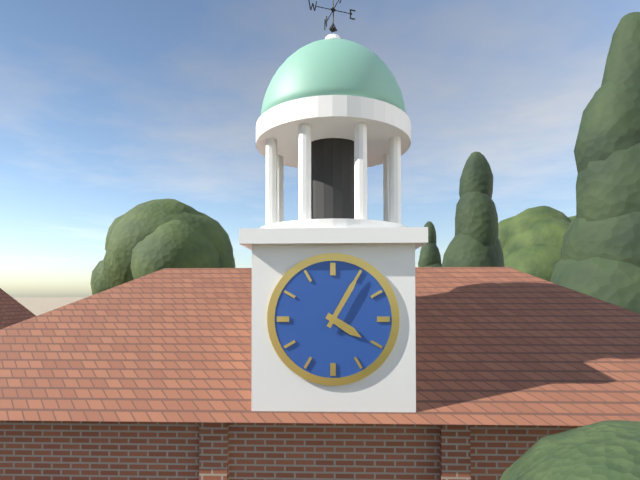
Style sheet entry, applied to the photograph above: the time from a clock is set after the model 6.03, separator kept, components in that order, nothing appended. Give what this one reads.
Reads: 4.05
